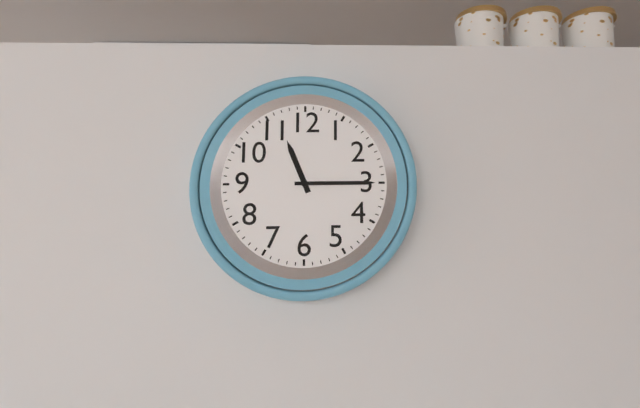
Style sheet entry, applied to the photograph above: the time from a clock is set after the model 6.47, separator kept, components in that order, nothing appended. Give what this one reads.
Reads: 11.15
